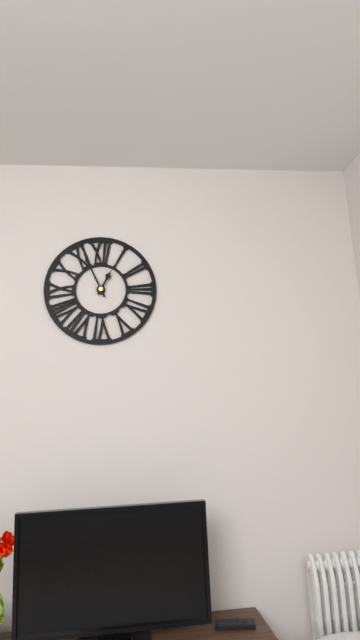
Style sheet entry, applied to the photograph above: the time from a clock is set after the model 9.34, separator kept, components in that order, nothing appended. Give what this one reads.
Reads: 12.56
